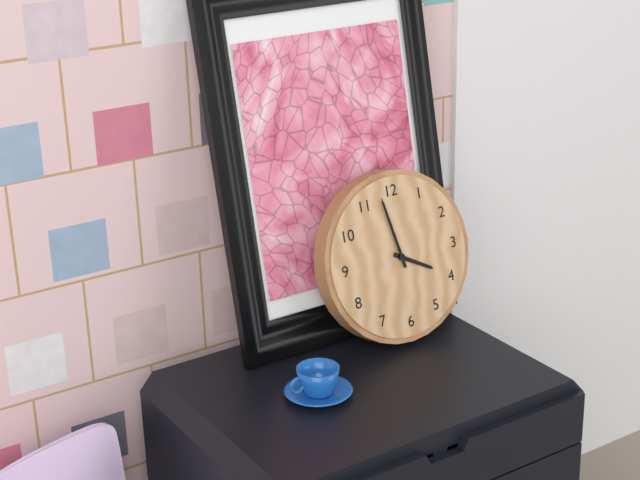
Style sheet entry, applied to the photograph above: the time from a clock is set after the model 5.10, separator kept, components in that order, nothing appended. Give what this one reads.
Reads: 3.58
